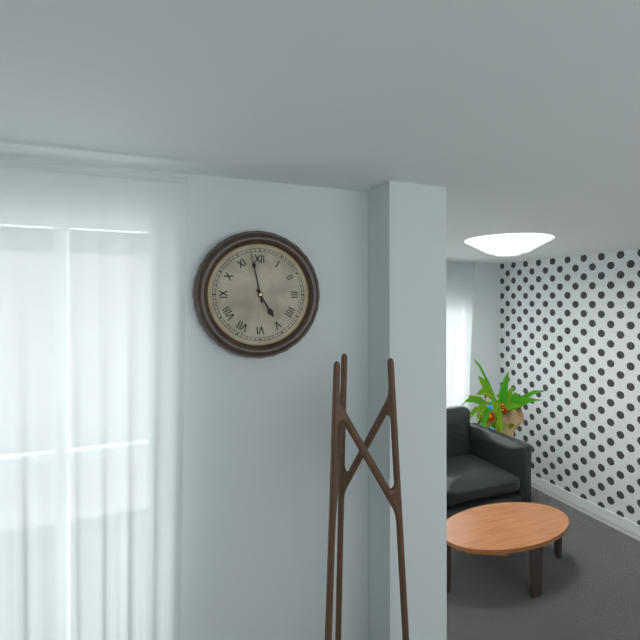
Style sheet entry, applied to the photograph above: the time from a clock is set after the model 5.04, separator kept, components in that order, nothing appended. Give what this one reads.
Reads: 4.58
